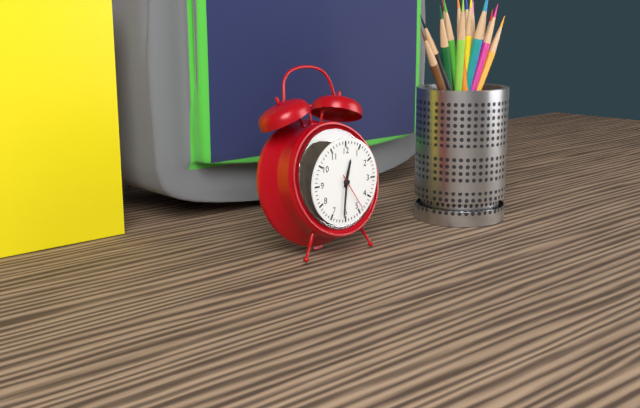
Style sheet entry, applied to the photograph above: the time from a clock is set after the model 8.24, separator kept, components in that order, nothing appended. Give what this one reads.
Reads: 12.31
